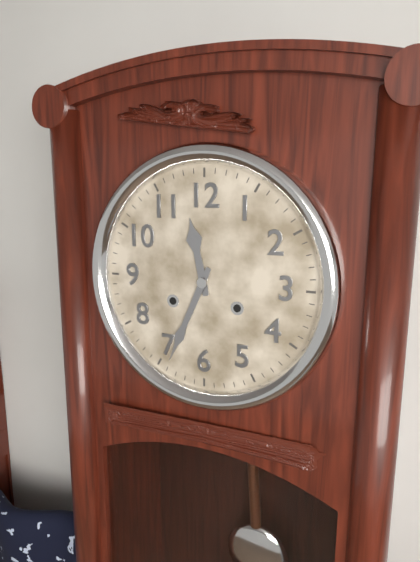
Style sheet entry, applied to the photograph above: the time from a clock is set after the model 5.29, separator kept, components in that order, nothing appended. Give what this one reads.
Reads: 11.34
